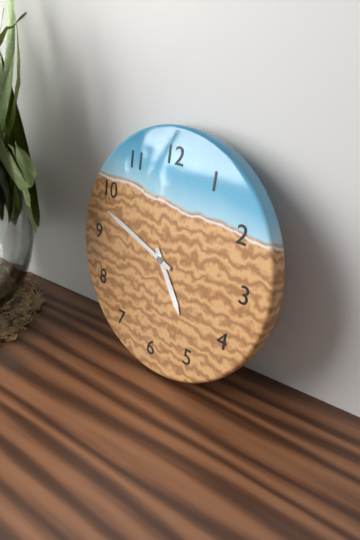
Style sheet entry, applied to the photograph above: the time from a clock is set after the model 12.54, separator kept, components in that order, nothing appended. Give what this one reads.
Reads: 4.48
